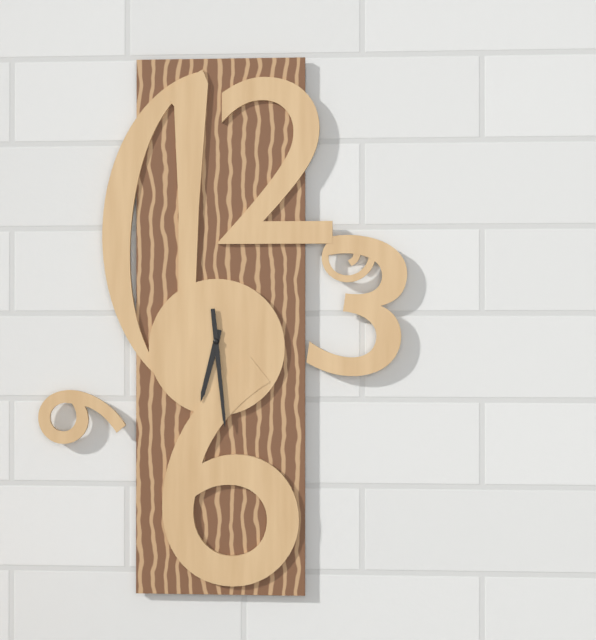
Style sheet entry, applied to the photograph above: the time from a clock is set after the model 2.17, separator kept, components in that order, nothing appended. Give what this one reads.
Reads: 6.29
